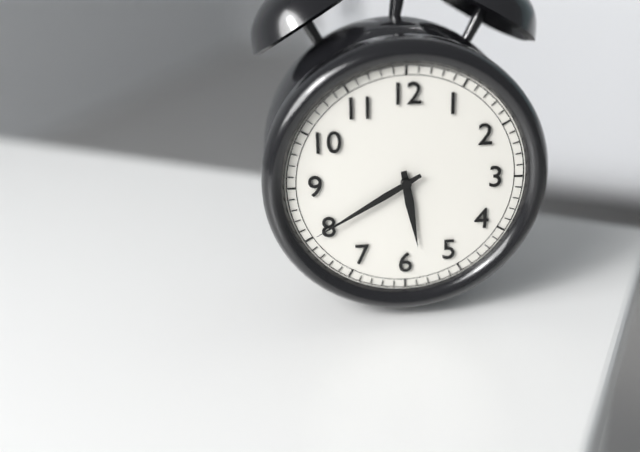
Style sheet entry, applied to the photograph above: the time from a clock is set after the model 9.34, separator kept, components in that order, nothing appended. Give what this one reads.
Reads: 5.40
